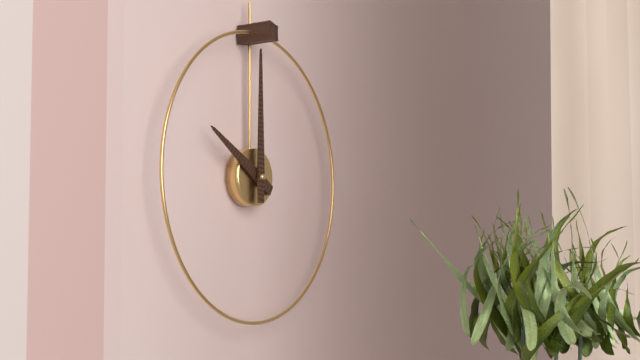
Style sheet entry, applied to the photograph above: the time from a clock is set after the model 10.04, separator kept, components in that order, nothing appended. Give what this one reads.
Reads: 10.00
